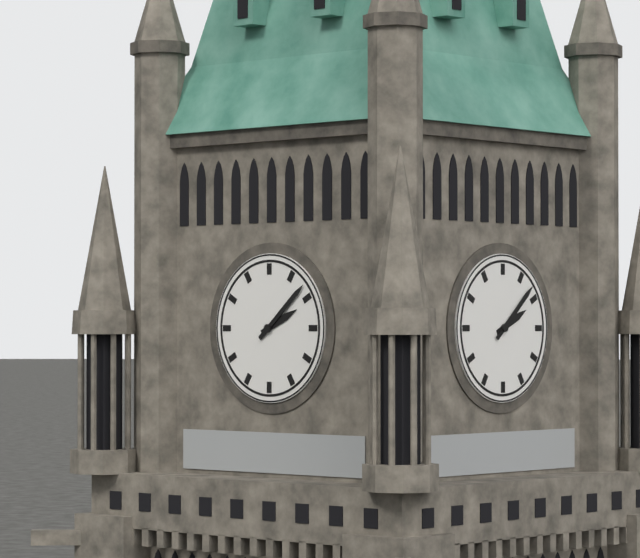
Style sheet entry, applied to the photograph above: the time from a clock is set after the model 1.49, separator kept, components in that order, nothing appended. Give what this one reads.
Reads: 2.08
